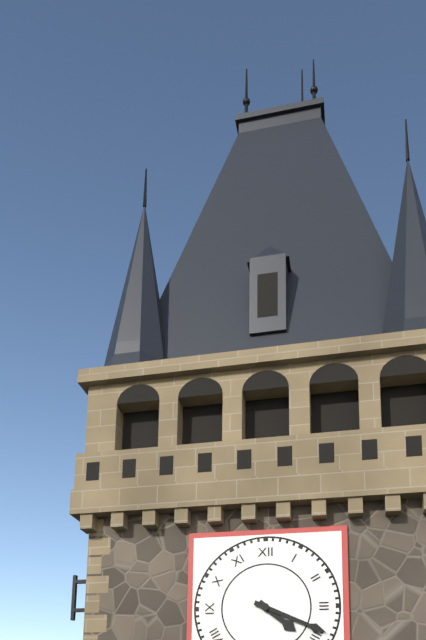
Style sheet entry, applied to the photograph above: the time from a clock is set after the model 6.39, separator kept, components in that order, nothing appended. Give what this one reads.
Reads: 4.19
